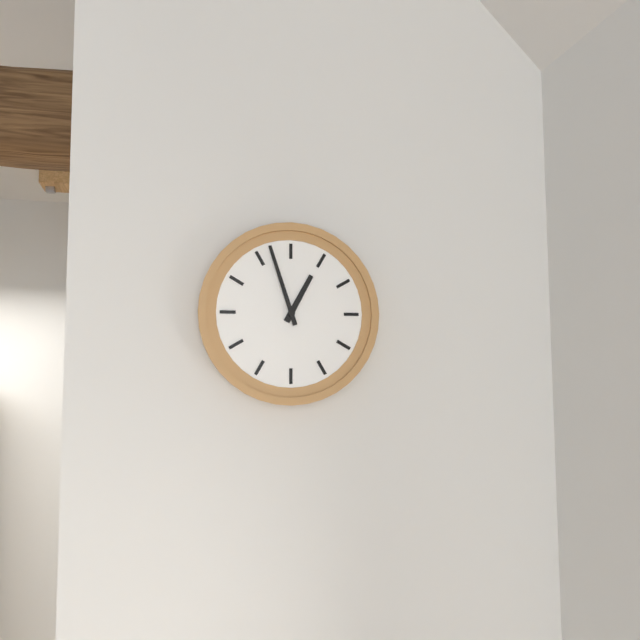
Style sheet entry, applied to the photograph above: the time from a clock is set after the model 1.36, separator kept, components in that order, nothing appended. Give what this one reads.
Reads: 12.57
